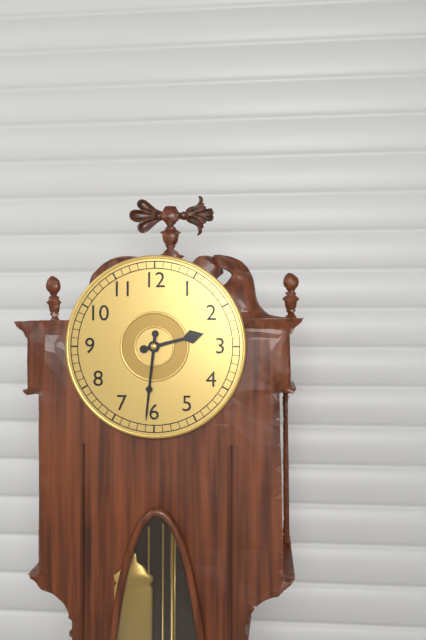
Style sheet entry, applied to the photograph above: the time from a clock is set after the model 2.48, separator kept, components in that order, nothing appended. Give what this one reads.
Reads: 2.31
